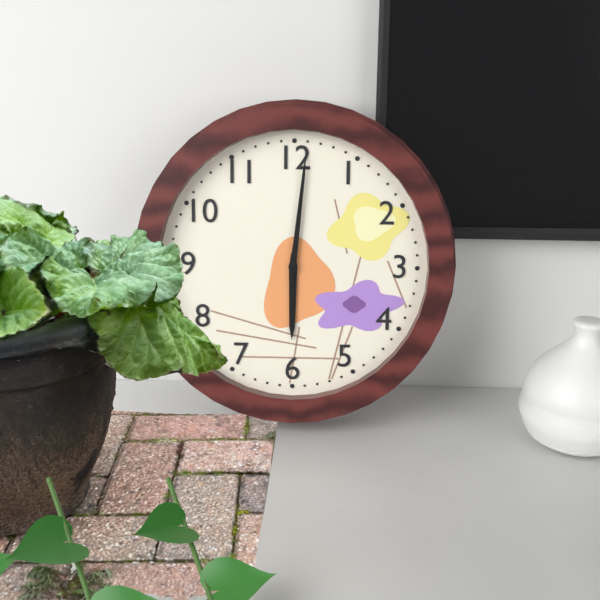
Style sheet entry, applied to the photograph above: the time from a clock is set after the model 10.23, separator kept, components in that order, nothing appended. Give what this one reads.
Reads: 6.01
